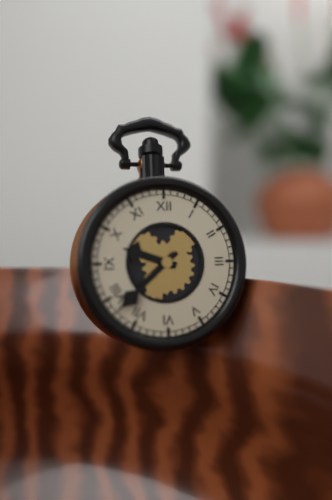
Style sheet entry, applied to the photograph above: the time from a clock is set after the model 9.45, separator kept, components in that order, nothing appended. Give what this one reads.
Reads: 9.38
